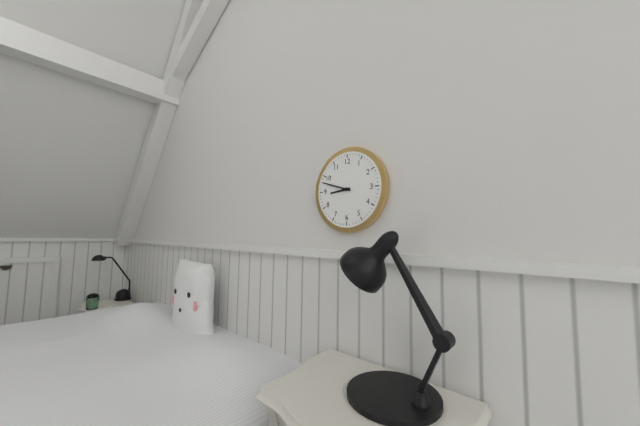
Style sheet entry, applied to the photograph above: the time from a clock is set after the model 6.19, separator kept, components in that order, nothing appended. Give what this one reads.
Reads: 8.48
